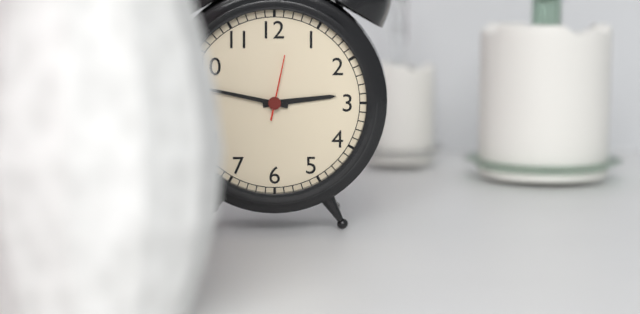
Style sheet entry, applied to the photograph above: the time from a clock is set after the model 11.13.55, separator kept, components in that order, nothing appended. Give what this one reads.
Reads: 2.47.02
